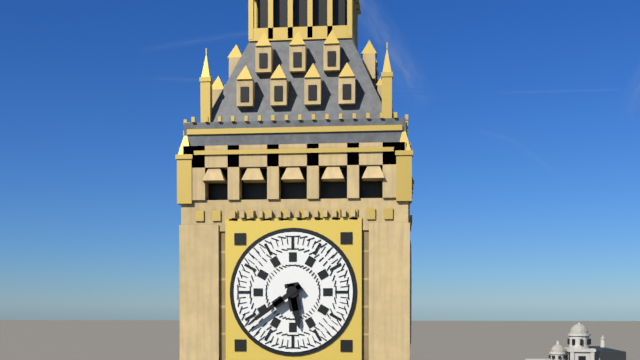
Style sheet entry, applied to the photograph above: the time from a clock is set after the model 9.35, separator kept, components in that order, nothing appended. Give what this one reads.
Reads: 5.39
